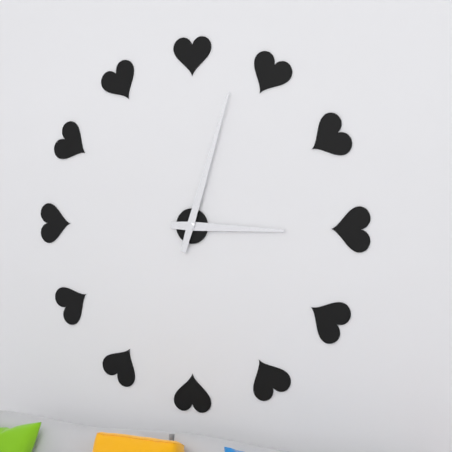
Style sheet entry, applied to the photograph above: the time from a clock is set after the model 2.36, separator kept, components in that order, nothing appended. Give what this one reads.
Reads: 3.03
